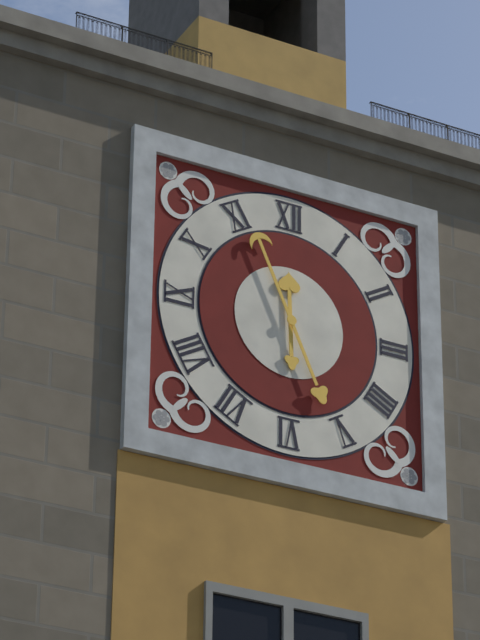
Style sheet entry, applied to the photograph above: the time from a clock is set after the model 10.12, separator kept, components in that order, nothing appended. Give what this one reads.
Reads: 11.56
